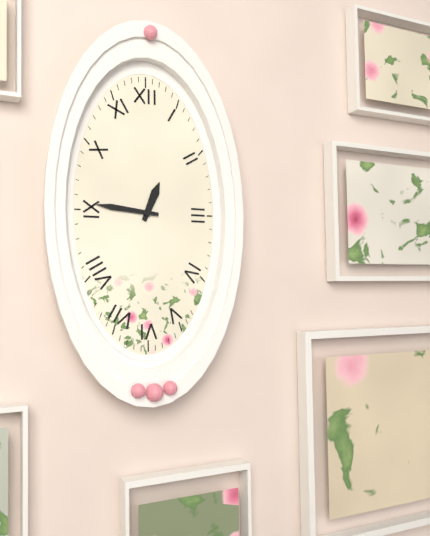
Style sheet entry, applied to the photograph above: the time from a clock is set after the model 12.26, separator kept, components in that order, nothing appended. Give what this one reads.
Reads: 12.46
